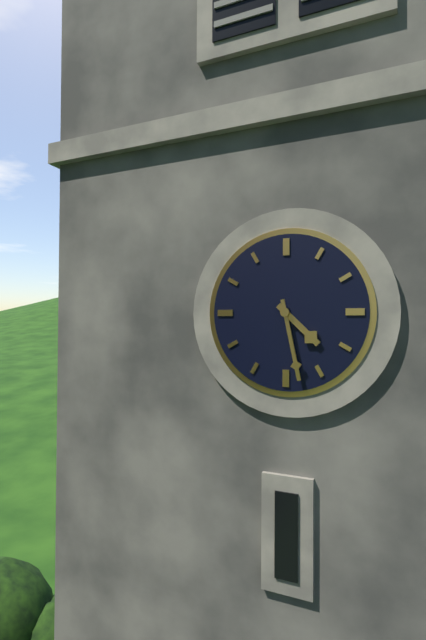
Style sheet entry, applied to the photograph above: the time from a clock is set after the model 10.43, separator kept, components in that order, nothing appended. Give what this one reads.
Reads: 4.28
